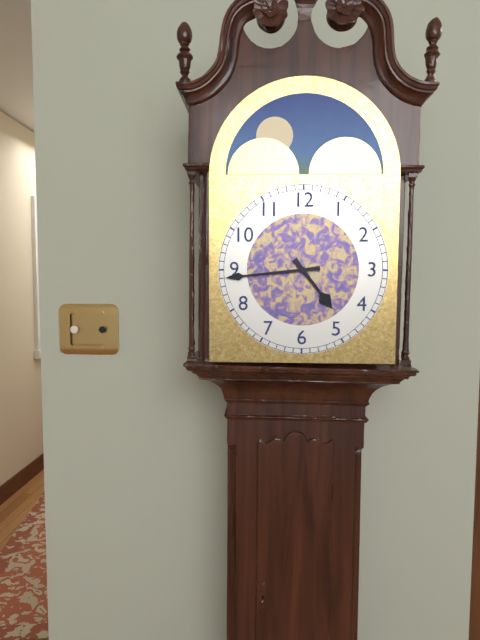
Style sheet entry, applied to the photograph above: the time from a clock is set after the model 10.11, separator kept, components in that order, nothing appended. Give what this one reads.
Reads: 4.44
